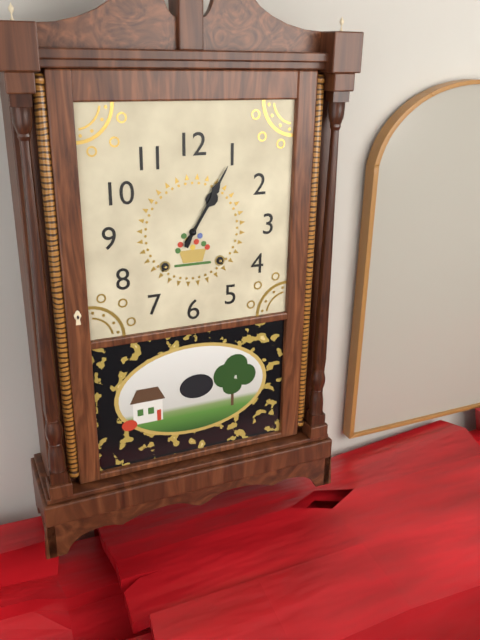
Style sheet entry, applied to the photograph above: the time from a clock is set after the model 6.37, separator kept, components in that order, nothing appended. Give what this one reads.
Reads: 1.05
